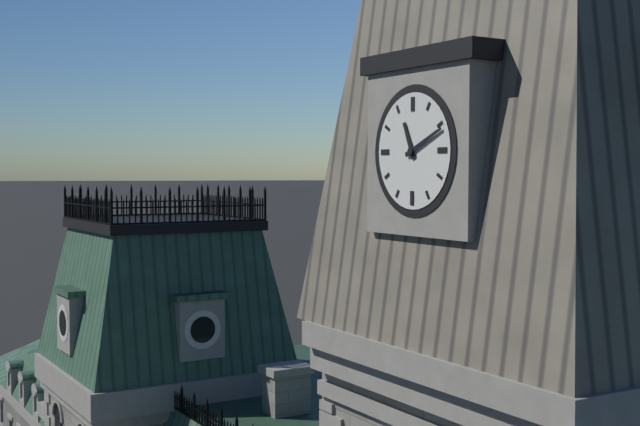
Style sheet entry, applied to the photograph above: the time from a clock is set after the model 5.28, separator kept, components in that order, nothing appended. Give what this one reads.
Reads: 11.11
